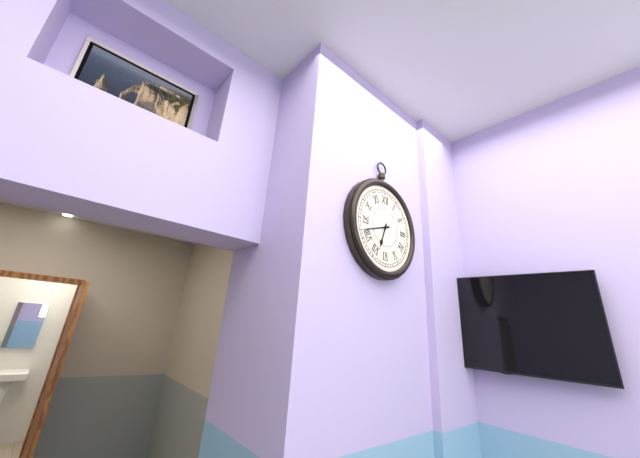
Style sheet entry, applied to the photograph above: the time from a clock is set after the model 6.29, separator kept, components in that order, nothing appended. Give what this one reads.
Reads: 6.42
